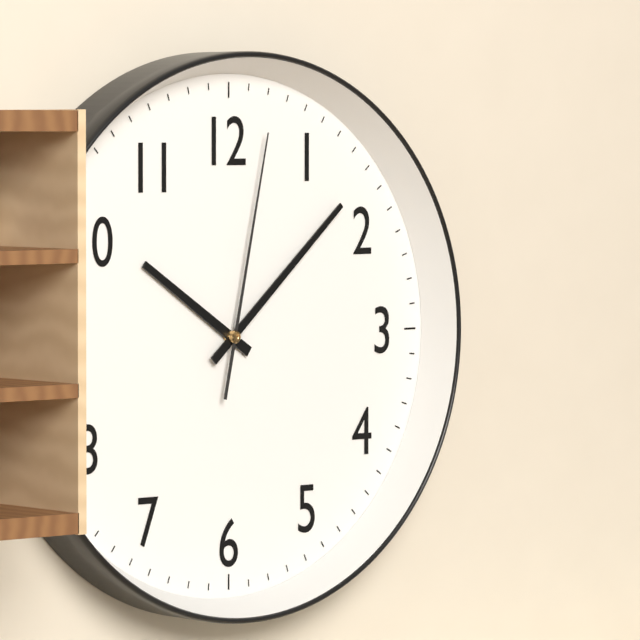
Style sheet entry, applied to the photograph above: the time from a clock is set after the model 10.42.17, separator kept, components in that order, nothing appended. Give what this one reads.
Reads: 10.08.02
